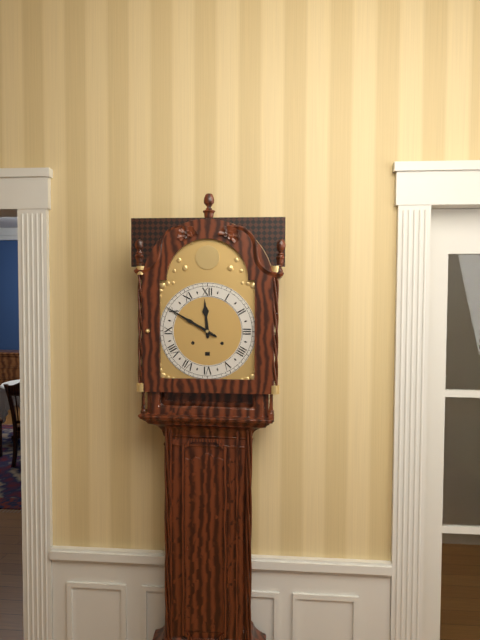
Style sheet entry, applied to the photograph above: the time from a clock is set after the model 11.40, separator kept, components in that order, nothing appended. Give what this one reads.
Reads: 11.50
